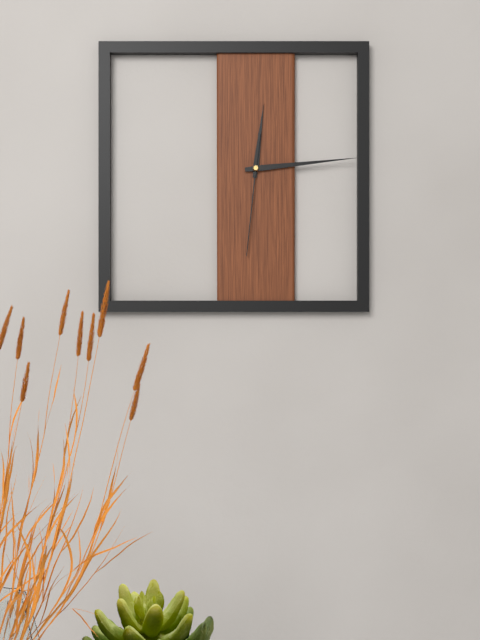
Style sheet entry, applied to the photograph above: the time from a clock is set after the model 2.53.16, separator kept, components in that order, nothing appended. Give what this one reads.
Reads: 12.14.31
